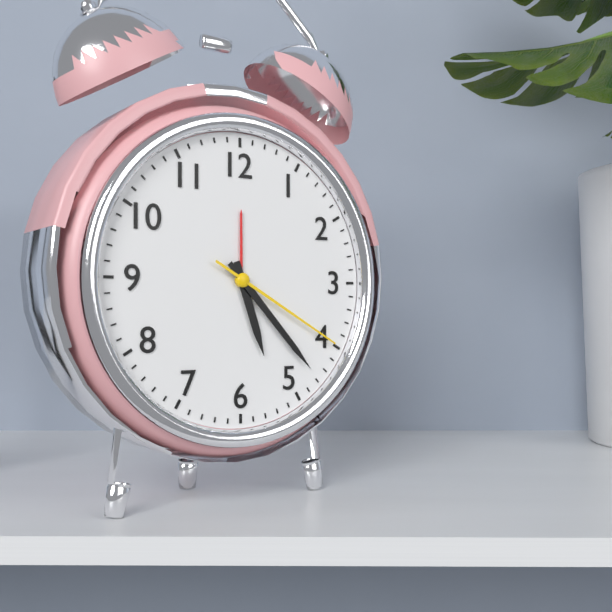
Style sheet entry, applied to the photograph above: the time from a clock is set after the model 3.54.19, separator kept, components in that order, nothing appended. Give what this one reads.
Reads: 5.23.20
